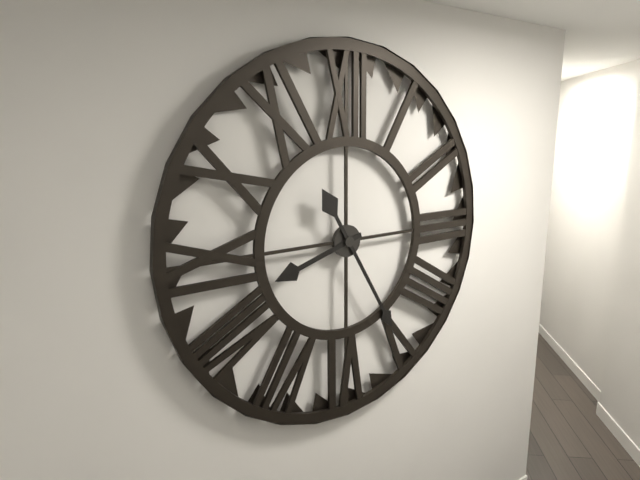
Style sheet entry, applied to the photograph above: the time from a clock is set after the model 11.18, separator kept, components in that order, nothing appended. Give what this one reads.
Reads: 8.25
